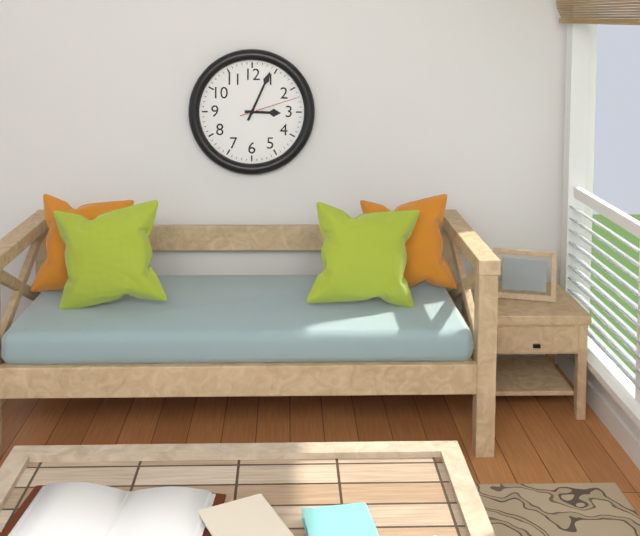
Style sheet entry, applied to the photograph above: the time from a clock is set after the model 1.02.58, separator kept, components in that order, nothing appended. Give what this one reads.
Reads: 3.04.12
